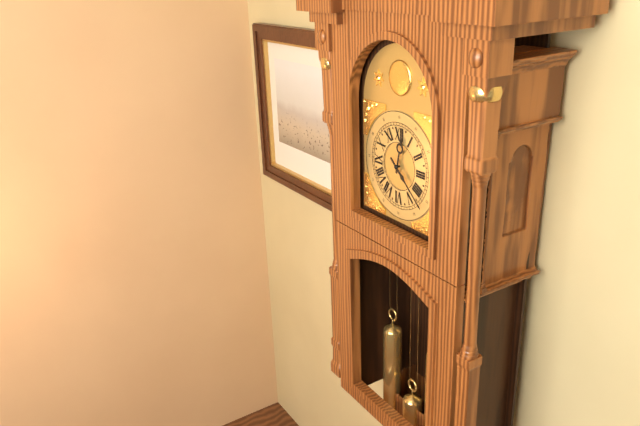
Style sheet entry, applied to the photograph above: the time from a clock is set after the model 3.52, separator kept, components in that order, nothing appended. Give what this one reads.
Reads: 12.22
